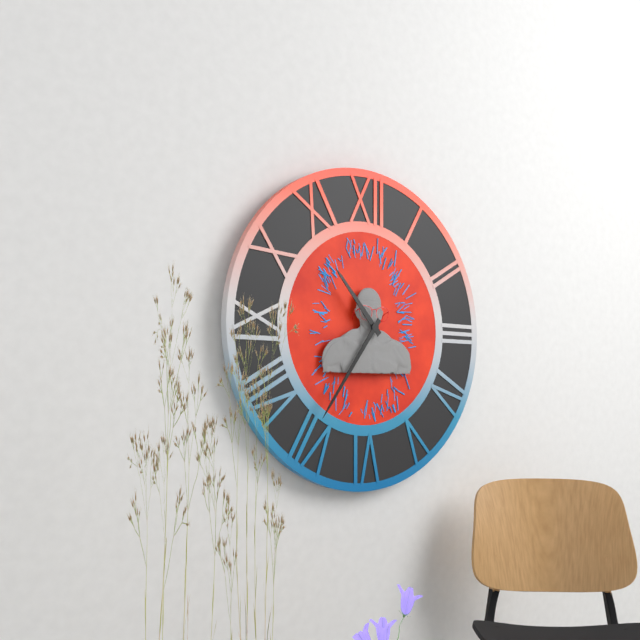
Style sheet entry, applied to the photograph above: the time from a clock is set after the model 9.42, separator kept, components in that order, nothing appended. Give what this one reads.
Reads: 10.36
